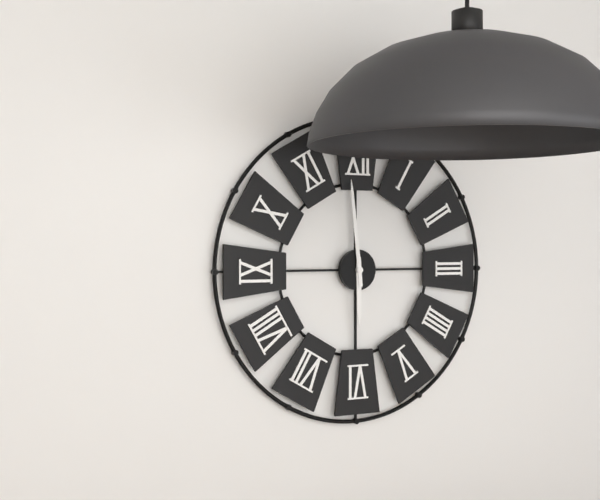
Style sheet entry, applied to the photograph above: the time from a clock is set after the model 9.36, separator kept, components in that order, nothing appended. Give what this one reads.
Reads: 5.59
